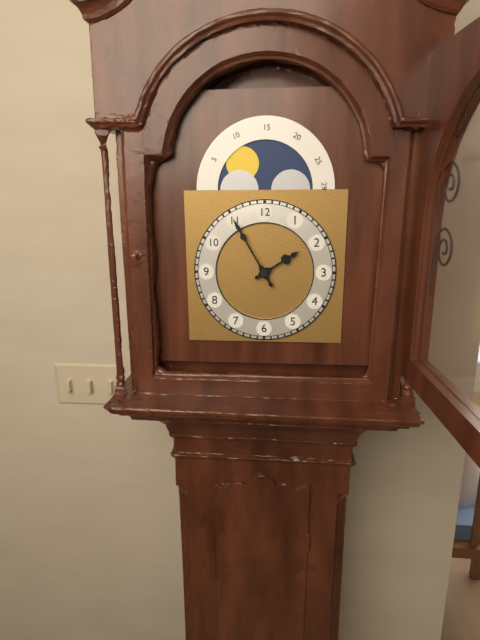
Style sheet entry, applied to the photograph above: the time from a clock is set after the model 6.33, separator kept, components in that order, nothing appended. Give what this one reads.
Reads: 1.55
